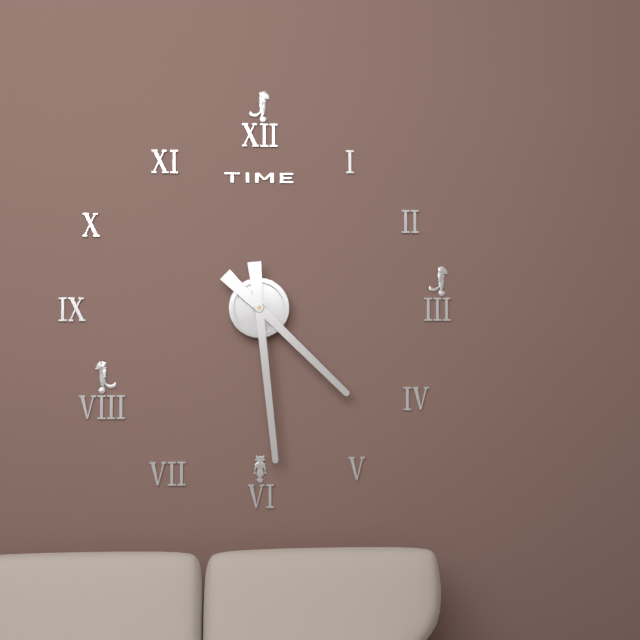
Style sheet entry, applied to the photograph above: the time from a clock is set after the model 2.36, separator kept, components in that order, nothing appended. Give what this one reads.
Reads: 4.29
